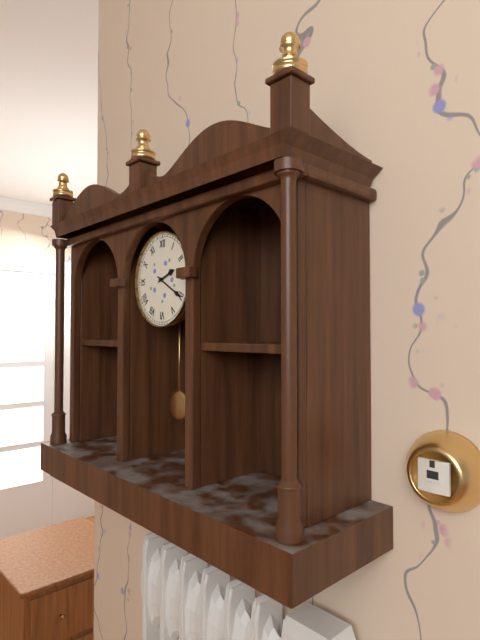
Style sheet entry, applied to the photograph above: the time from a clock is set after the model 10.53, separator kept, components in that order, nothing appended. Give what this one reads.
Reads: 2.20
